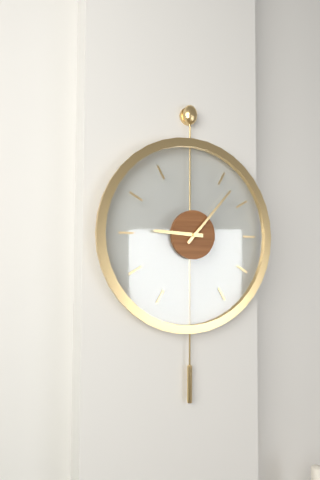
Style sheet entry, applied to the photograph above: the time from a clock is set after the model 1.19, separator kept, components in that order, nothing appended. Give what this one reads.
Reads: 9.07
